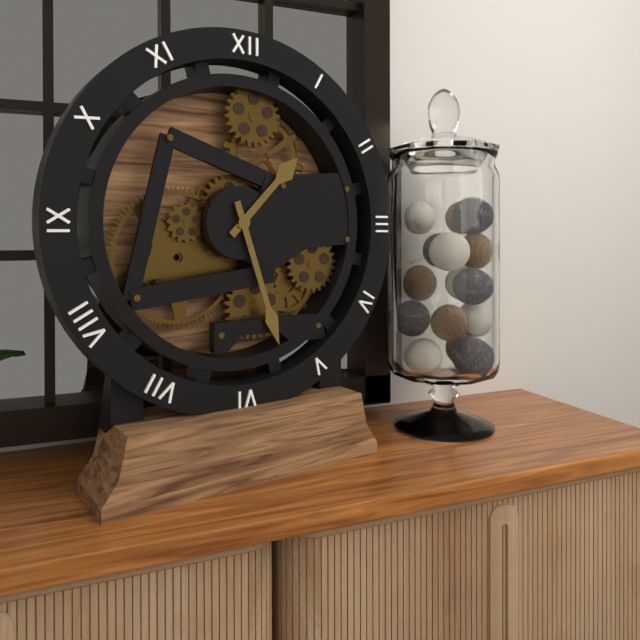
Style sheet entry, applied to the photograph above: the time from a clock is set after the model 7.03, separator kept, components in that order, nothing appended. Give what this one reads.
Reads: 1.27
